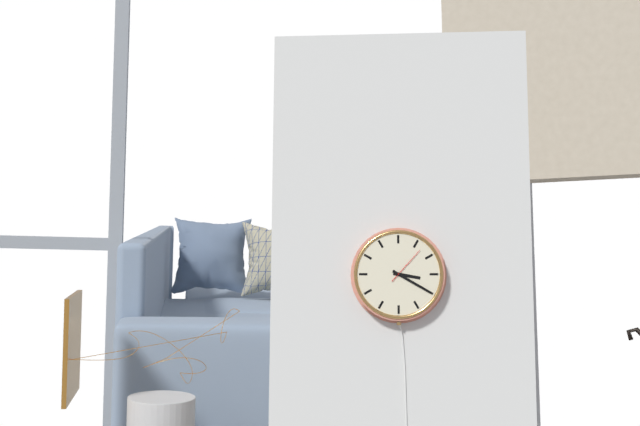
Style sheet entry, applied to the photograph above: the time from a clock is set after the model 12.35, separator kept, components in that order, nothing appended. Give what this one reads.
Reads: 3.20
